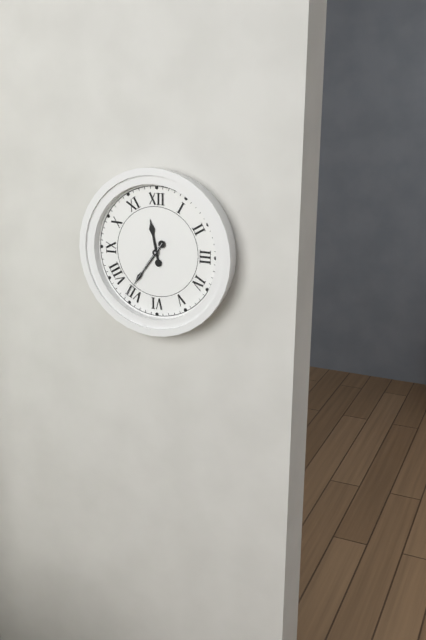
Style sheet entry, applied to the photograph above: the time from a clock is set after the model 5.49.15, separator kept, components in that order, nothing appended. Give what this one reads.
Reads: 11.36.36
